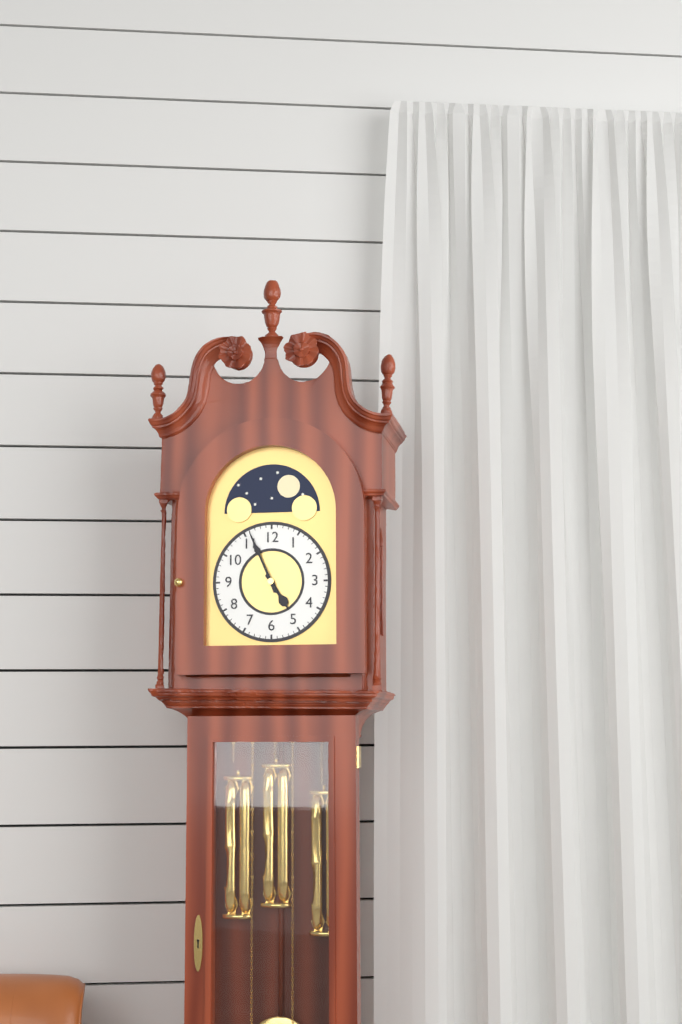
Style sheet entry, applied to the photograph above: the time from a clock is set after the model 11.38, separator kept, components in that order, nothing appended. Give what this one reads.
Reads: 4.56
